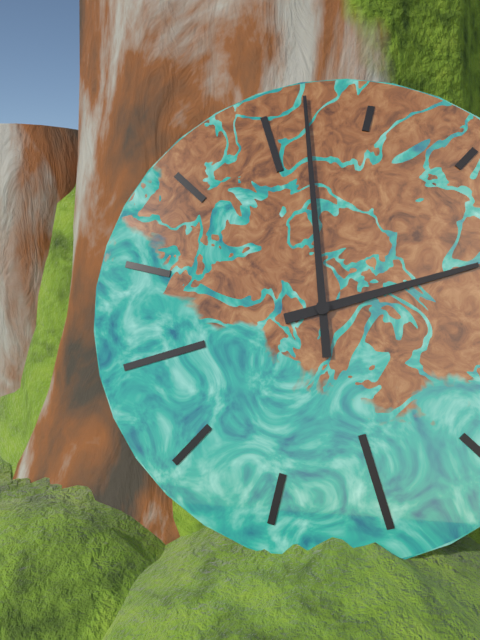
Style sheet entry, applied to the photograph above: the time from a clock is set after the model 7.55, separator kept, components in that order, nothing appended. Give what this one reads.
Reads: 3.02
